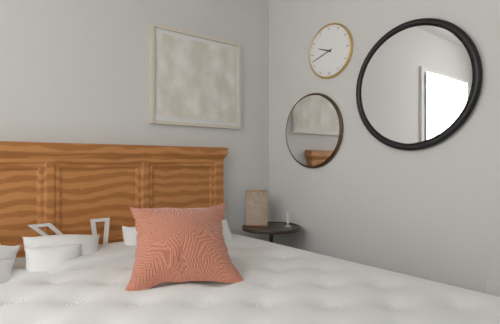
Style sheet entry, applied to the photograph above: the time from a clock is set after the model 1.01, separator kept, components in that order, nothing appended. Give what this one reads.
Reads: 9.42
